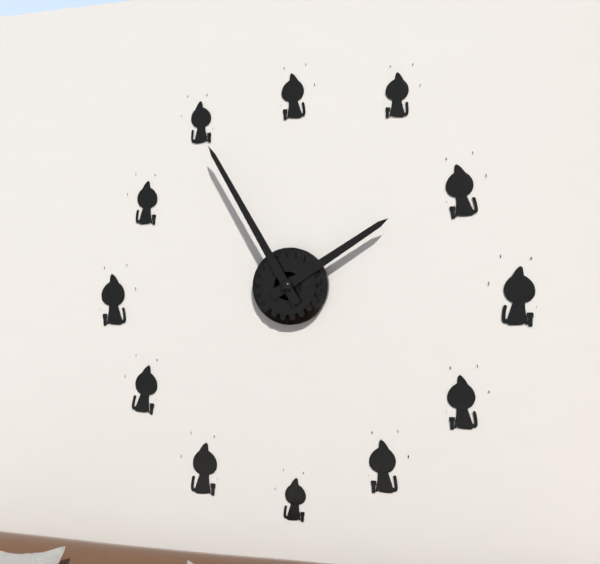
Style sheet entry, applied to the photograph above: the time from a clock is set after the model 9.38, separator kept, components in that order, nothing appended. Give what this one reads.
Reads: 1.55
